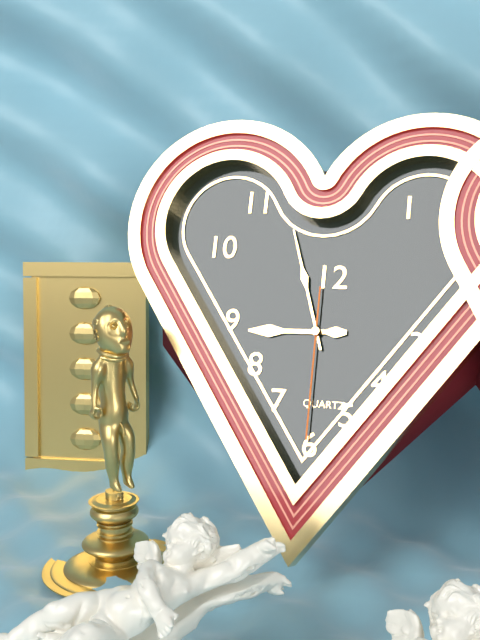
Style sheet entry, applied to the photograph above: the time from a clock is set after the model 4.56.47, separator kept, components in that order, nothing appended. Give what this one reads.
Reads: 8.57.30
